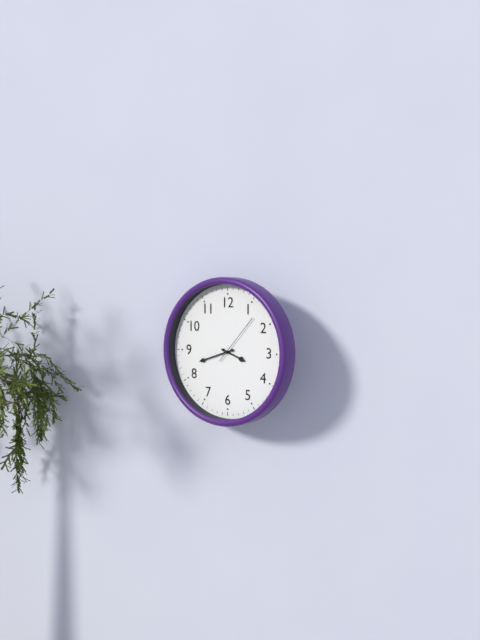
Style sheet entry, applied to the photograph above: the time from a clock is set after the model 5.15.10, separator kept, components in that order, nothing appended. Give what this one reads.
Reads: 3.42.07
